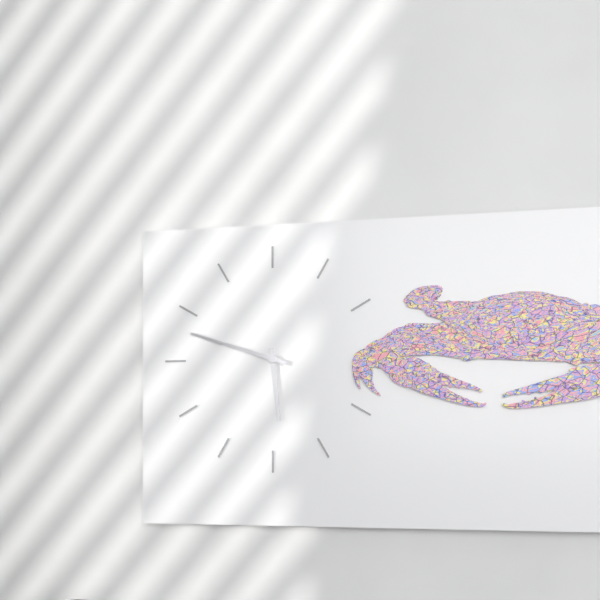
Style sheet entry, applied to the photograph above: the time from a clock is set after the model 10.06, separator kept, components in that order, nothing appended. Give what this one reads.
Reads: 5.48
